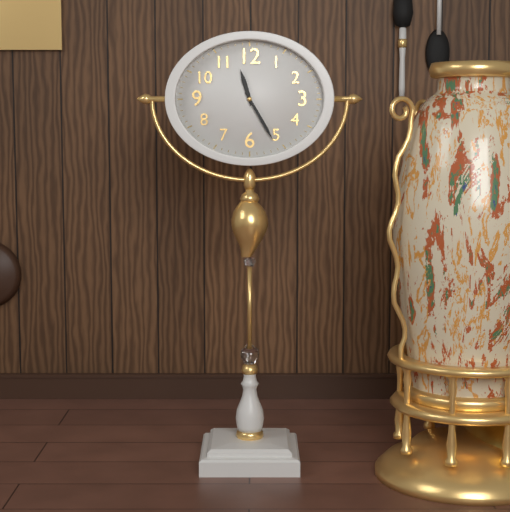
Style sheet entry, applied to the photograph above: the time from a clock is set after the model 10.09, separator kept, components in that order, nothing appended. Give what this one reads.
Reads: 11.25
